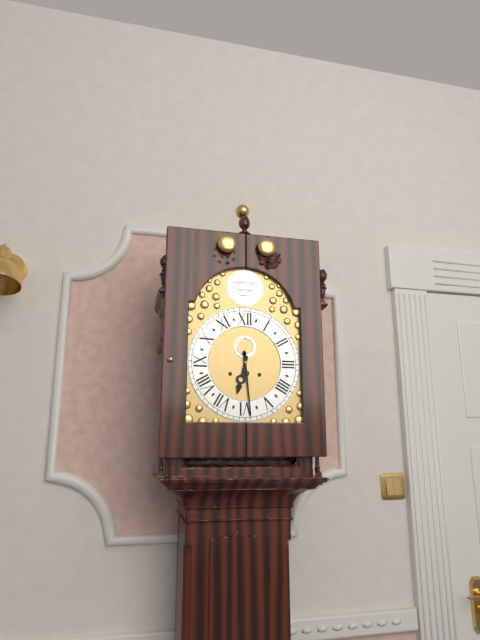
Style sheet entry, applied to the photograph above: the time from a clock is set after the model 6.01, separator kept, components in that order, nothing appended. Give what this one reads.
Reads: 6.29
